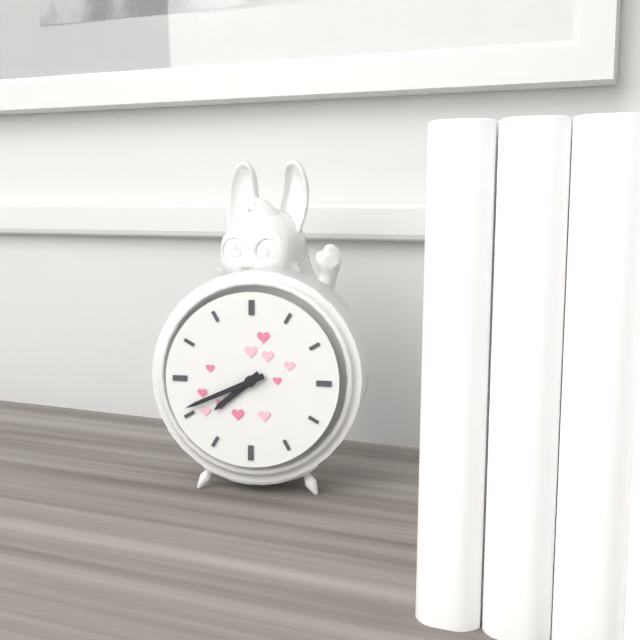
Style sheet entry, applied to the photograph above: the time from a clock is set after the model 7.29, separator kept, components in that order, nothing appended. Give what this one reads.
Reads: 7.41
